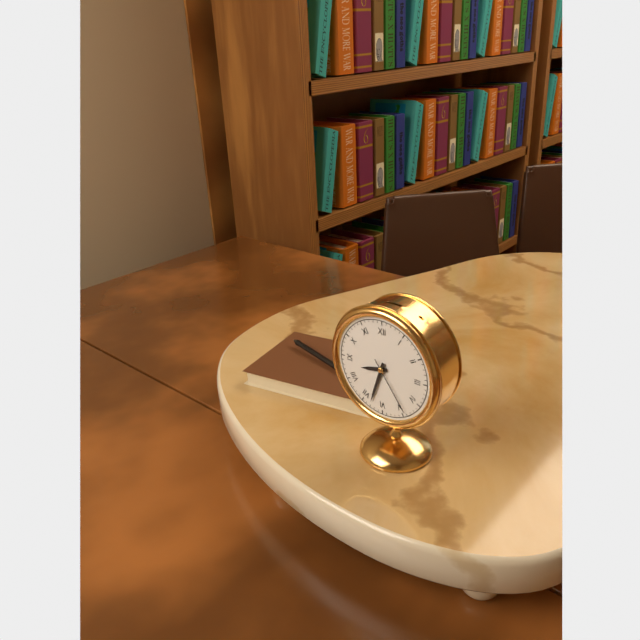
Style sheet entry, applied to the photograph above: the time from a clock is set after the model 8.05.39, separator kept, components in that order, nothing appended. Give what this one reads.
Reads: 8.33.24
